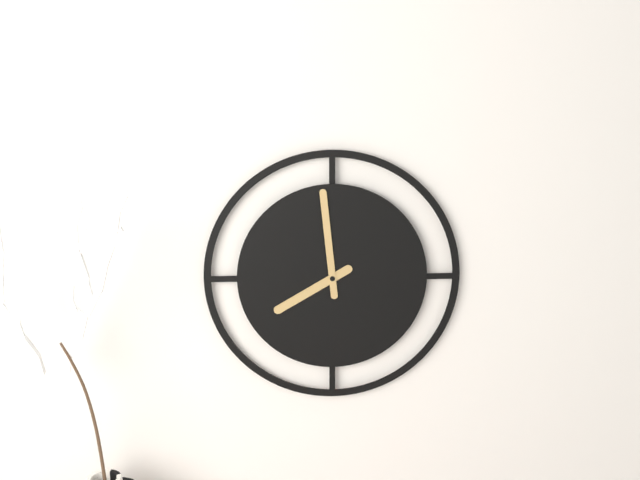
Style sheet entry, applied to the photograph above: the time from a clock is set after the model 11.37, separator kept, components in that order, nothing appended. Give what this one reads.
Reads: 7.59
